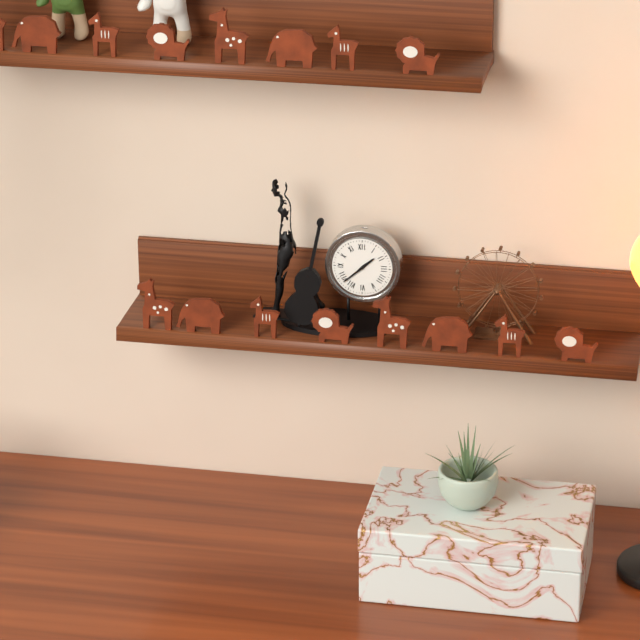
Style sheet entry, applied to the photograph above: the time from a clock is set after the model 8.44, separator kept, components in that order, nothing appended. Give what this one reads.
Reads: 1.38
